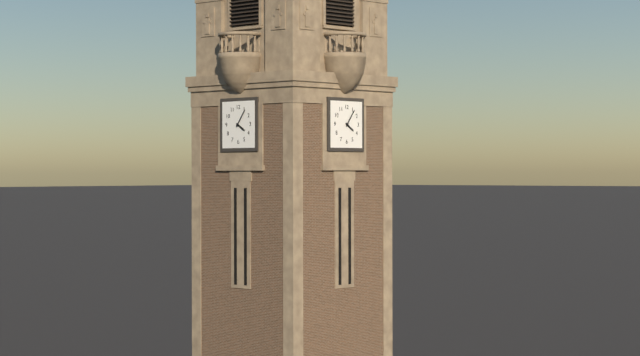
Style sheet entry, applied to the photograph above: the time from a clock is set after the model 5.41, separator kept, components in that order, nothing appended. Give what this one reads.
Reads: 4.06
